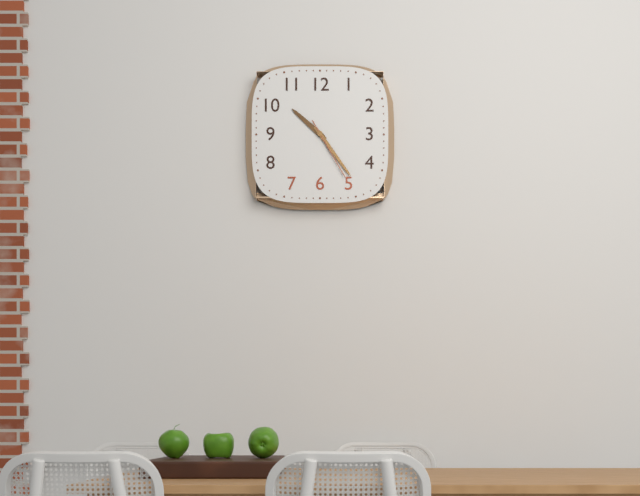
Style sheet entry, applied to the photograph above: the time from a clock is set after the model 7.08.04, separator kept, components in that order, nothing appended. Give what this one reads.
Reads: 10.24.25
